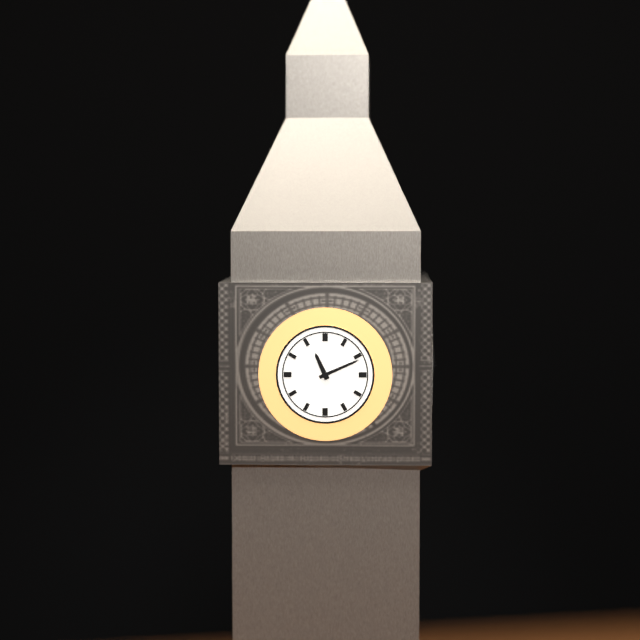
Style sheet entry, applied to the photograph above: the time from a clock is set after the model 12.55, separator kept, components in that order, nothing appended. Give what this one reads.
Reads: 11.11
